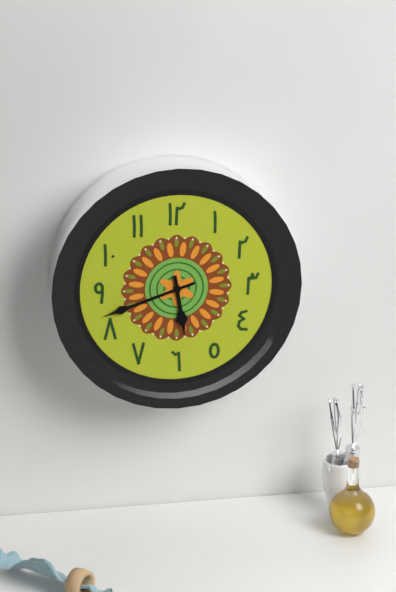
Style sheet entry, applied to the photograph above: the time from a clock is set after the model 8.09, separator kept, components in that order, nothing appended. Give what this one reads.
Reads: 5.42
